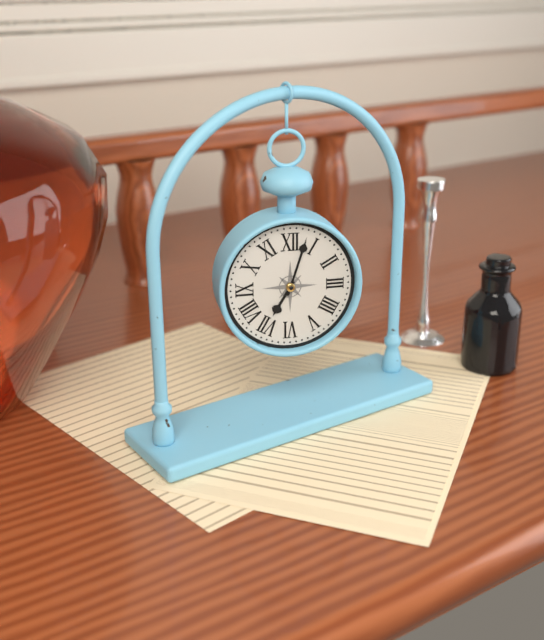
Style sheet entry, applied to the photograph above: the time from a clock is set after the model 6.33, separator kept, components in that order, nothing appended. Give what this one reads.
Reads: 7.03
